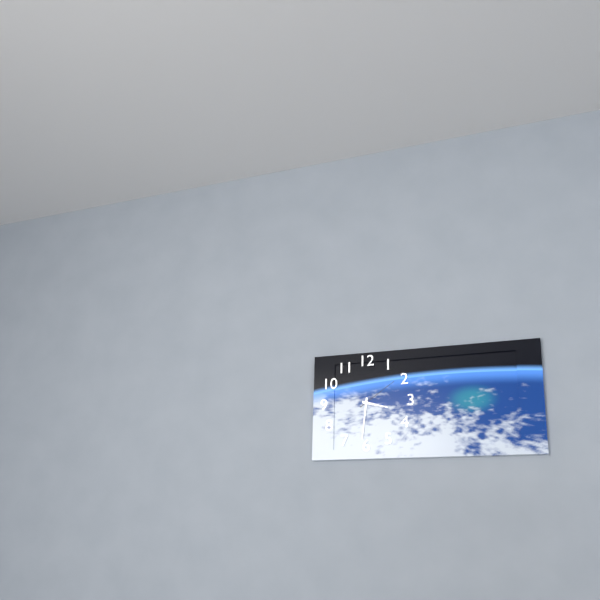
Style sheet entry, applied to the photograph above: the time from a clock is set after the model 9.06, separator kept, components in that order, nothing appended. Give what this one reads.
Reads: 3.31
